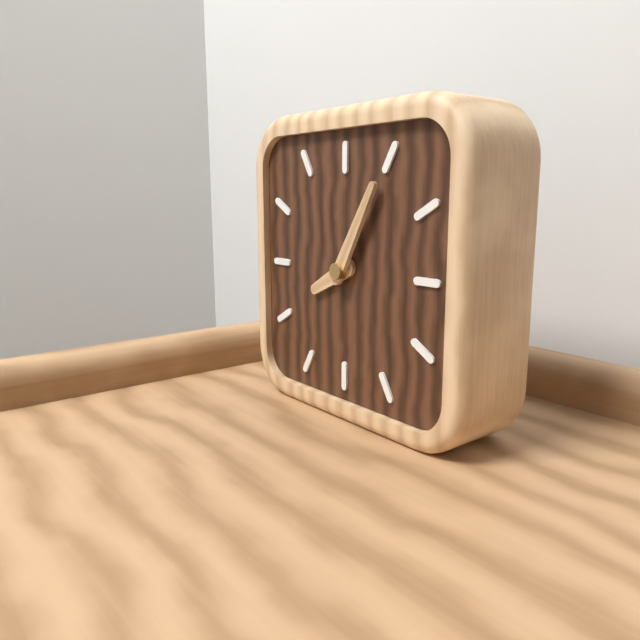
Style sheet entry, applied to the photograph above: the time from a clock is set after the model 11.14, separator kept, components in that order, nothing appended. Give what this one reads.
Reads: 8.05
